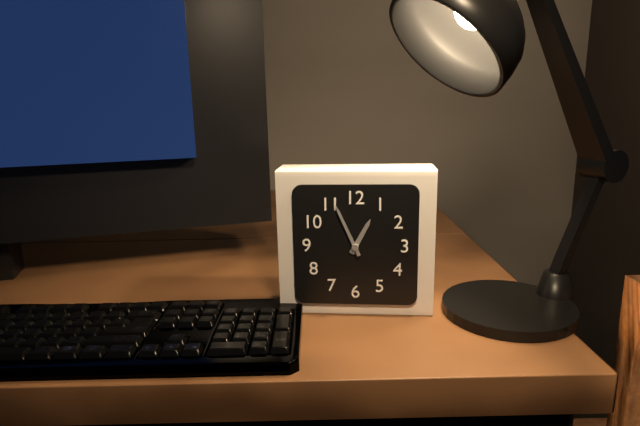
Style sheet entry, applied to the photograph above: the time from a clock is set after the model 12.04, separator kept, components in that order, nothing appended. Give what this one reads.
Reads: 12.56
